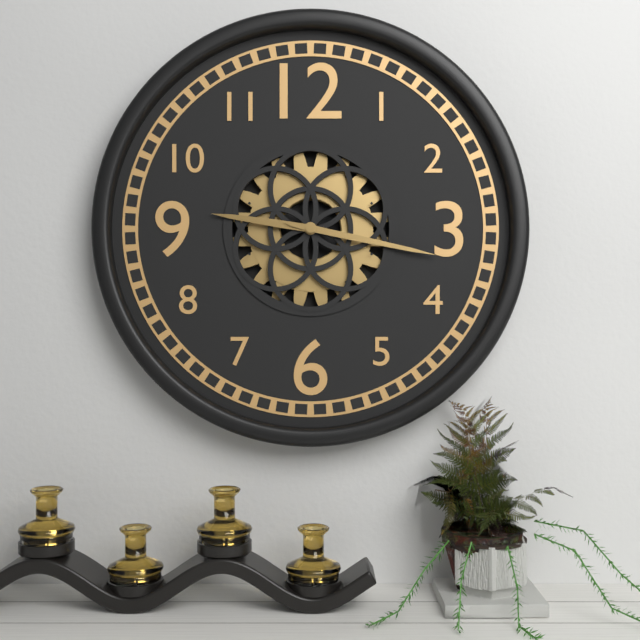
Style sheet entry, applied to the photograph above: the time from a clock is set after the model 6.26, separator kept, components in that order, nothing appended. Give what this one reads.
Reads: 9.17
